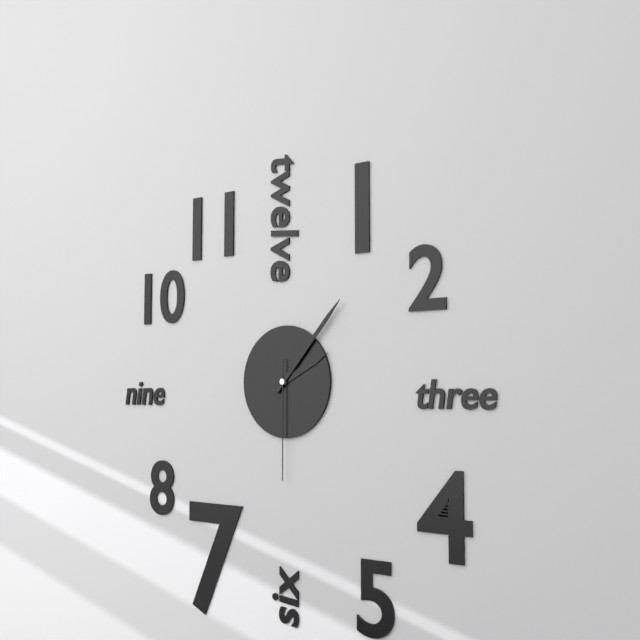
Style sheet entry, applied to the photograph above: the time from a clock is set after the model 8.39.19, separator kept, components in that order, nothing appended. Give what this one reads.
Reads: 2.07.30
